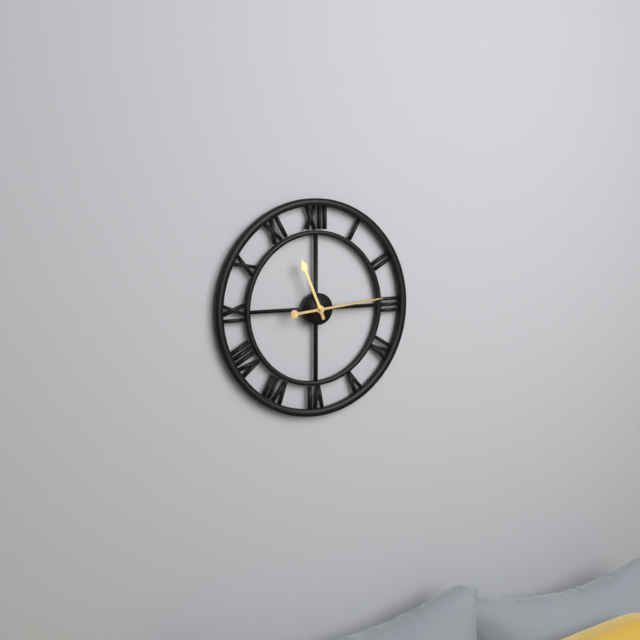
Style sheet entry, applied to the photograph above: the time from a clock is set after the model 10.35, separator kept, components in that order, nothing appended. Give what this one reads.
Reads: 11.14
